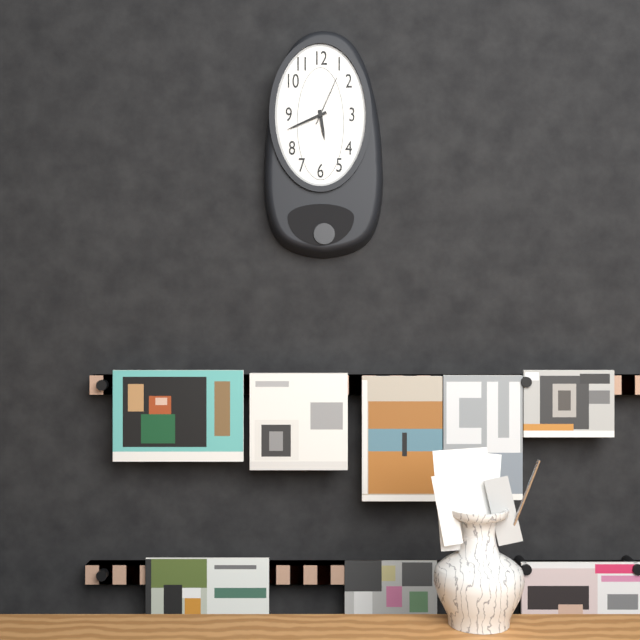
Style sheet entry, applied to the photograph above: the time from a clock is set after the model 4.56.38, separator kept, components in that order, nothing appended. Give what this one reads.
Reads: 5.41.04
